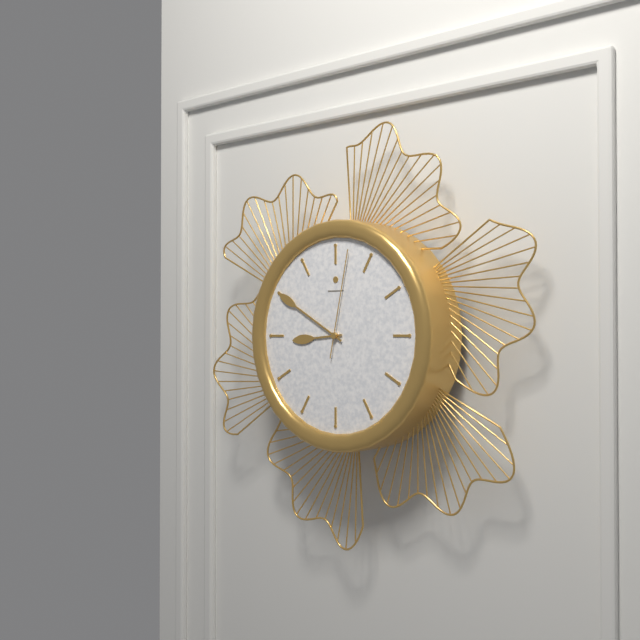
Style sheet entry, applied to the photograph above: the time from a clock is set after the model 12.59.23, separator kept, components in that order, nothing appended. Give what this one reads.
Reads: 8.50.02
